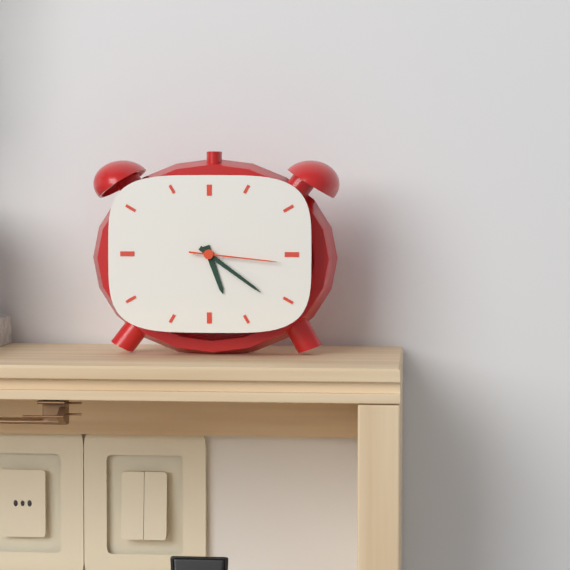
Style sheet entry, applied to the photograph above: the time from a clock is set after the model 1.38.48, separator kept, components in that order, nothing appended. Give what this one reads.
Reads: 5.21.16
